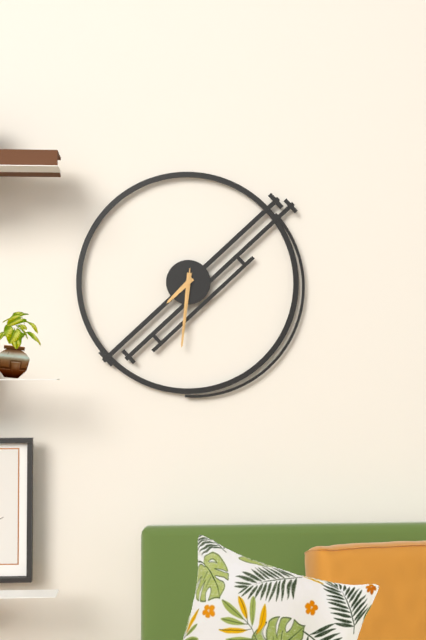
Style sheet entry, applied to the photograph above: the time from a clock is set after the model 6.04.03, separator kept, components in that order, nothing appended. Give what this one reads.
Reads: 7.31.31
